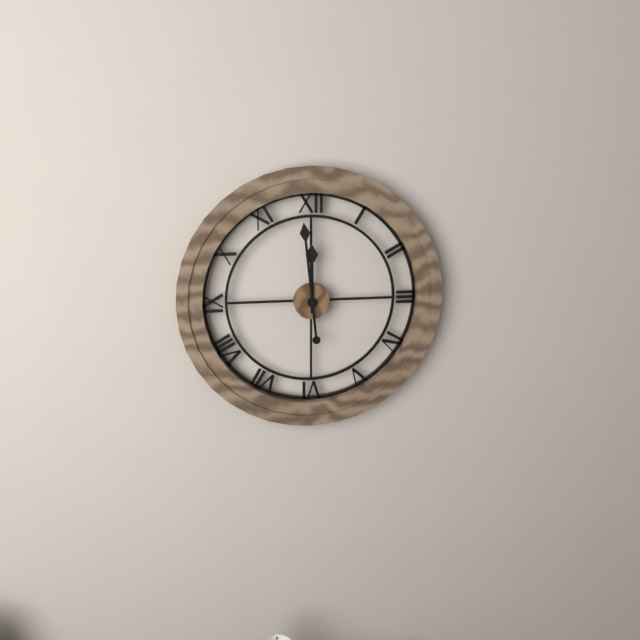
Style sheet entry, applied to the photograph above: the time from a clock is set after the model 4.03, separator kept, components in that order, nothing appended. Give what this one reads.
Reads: 11.59
